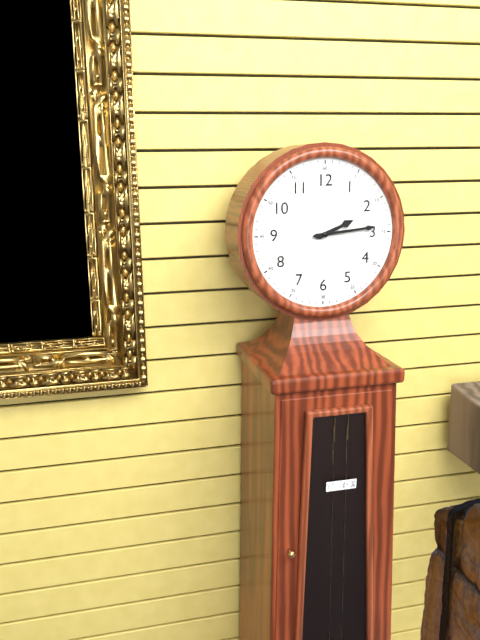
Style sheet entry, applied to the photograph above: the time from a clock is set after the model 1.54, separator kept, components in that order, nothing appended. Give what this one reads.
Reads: 2.14
